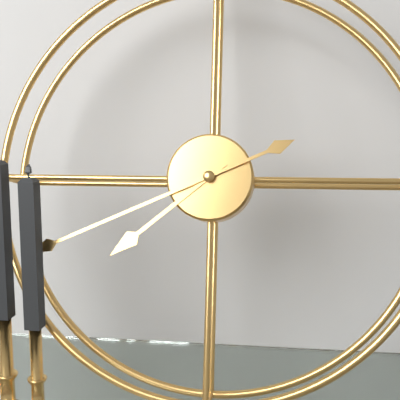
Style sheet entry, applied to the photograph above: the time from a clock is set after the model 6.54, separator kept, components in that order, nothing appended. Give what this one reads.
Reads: 7.41
